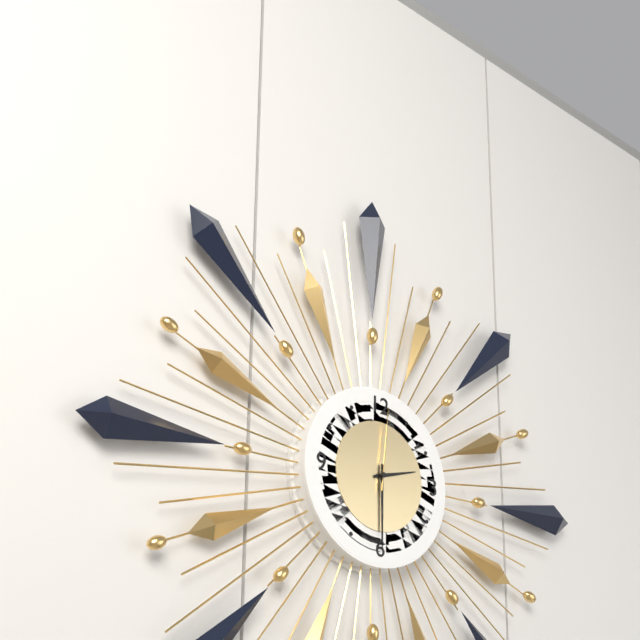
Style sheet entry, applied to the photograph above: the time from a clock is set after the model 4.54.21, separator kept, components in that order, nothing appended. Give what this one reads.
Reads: 2.30.01
